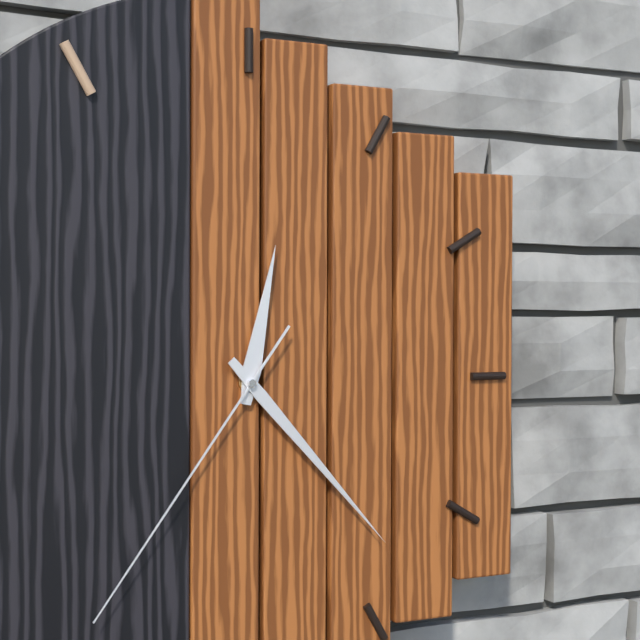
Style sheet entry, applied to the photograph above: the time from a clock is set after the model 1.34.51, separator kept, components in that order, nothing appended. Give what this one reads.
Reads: 12.23.36
